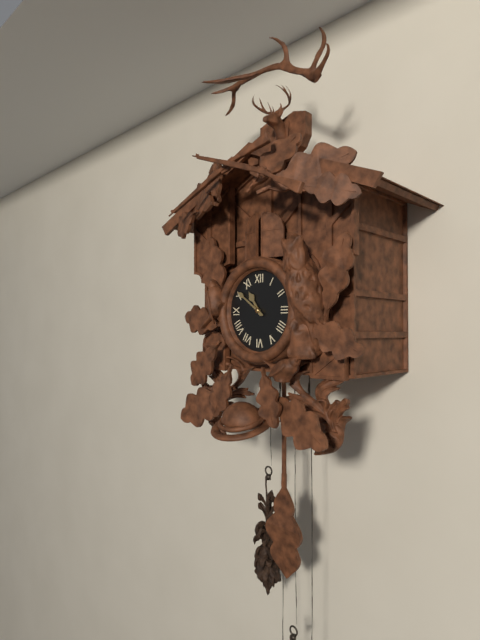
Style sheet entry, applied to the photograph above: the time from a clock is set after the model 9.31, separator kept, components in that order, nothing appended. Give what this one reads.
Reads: 10.51
